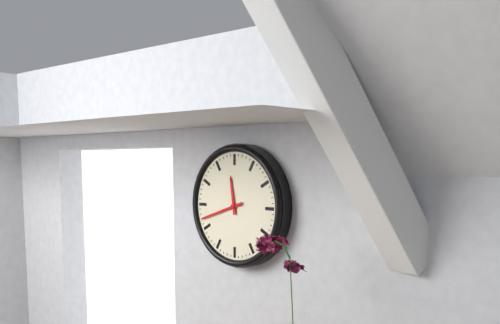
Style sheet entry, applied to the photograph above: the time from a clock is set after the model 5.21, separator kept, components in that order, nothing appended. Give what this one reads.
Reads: 11.42
